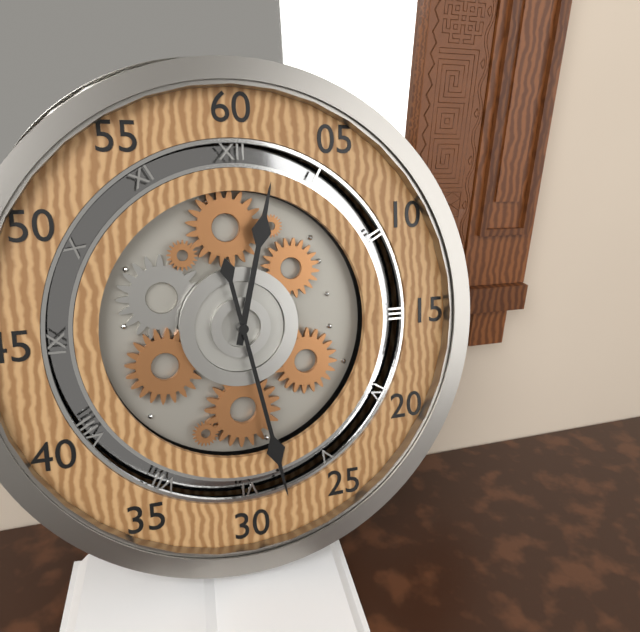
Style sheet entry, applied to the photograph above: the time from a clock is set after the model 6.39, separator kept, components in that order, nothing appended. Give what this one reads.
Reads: 12.28
